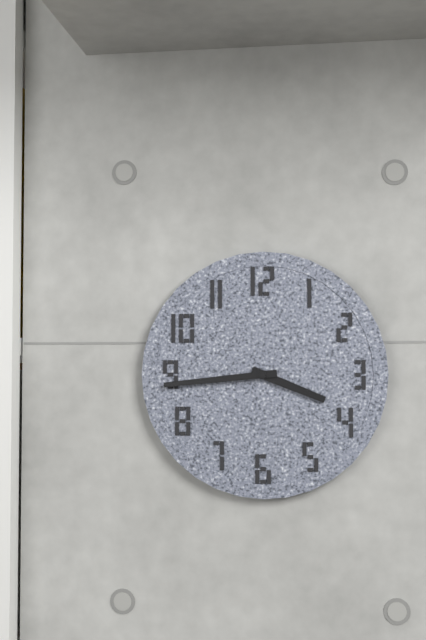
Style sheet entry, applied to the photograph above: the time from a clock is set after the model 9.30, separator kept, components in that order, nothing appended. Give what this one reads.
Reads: 3.44
